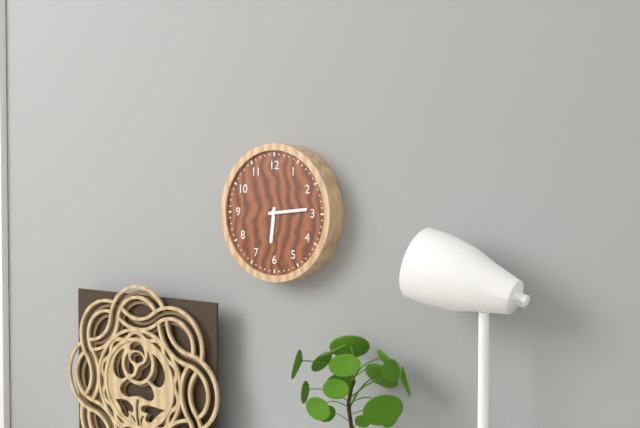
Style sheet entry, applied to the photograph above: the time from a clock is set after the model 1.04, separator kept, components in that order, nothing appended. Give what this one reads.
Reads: 6.14
